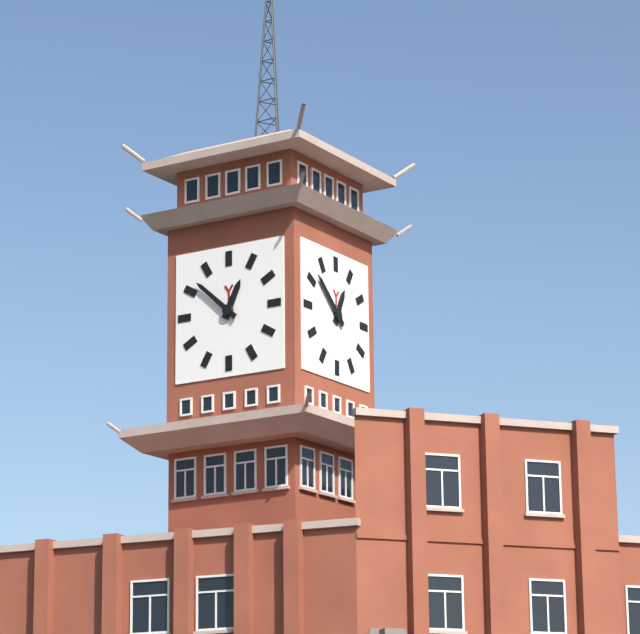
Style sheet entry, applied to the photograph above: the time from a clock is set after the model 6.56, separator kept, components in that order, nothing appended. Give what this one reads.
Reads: 12.52
